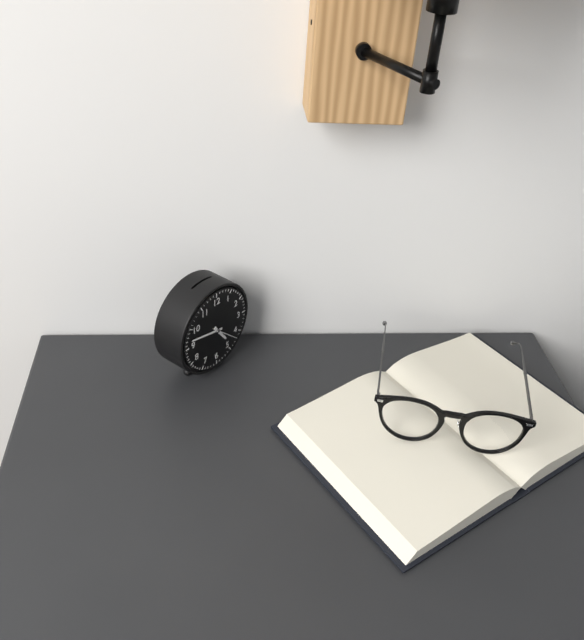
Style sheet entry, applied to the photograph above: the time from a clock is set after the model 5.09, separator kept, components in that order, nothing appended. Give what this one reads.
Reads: 4.47
